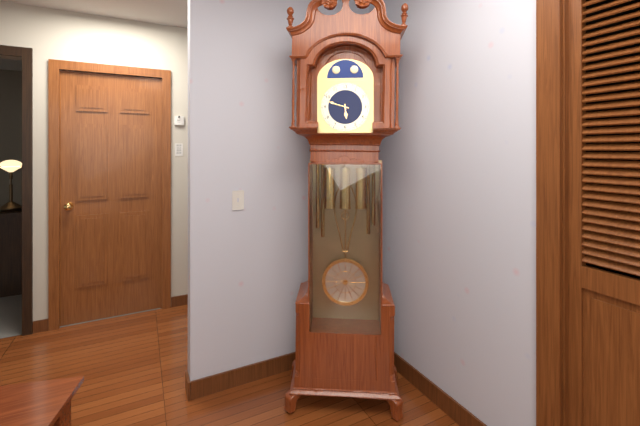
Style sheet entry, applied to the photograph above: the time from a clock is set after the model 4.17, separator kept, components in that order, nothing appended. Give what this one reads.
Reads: 5.48
